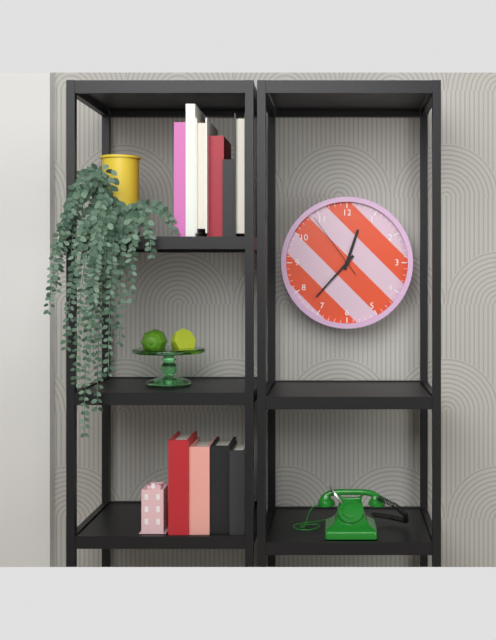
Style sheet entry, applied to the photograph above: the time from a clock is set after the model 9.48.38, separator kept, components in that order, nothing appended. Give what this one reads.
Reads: 12.37.54
